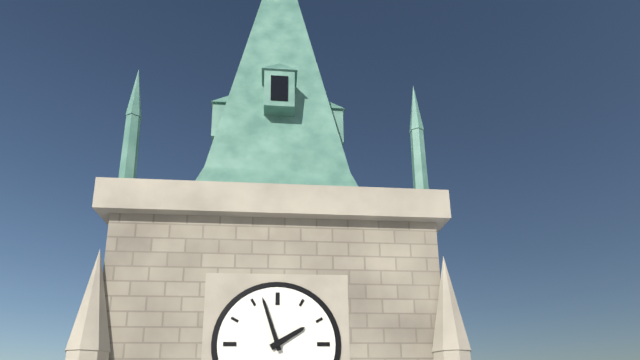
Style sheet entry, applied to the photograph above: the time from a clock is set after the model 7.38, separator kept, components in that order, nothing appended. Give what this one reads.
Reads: 1.57
